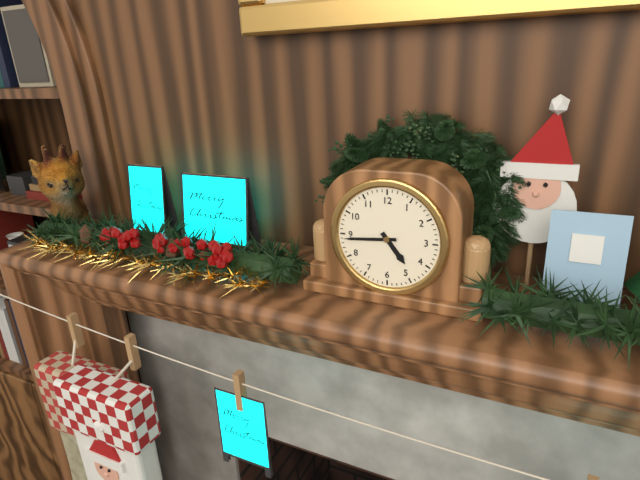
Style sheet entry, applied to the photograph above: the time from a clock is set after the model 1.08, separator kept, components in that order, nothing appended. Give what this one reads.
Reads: 4.44
